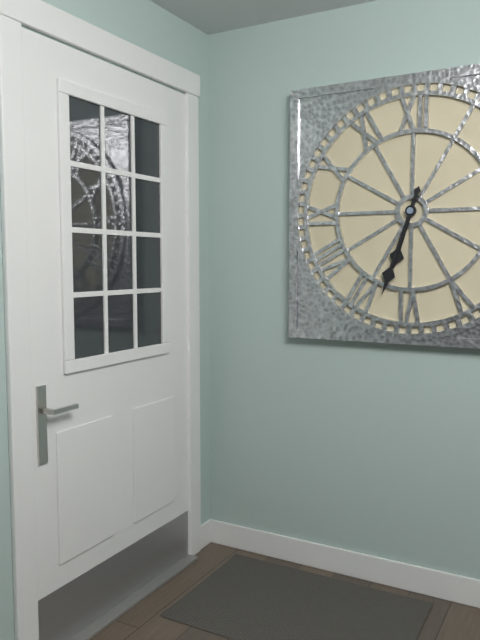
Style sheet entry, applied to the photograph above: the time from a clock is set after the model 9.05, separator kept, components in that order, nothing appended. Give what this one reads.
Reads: 6.33
